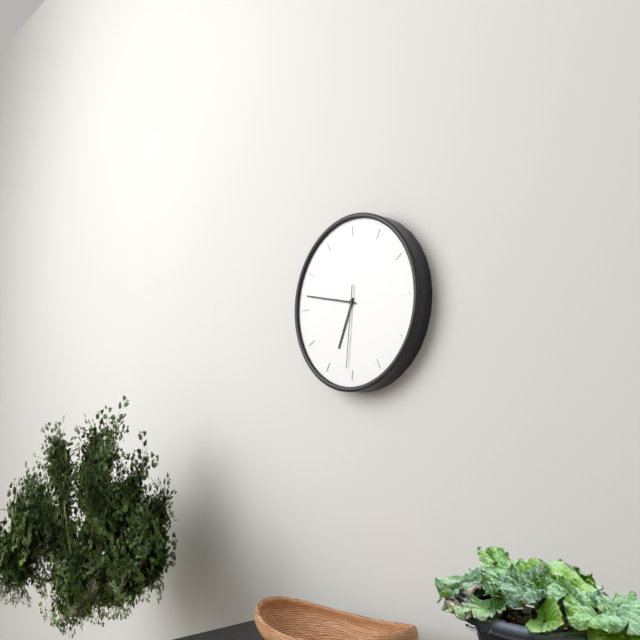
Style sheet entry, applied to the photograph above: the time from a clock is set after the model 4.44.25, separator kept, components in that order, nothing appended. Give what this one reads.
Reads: 6.47.31
